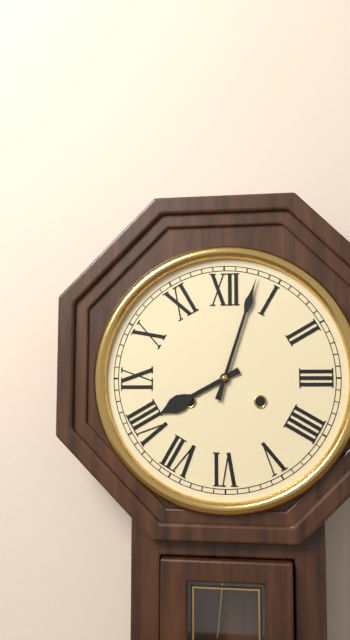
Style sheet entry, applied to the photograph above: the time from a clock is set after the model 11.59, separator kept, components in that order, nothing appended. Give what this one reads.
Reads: 8.03
